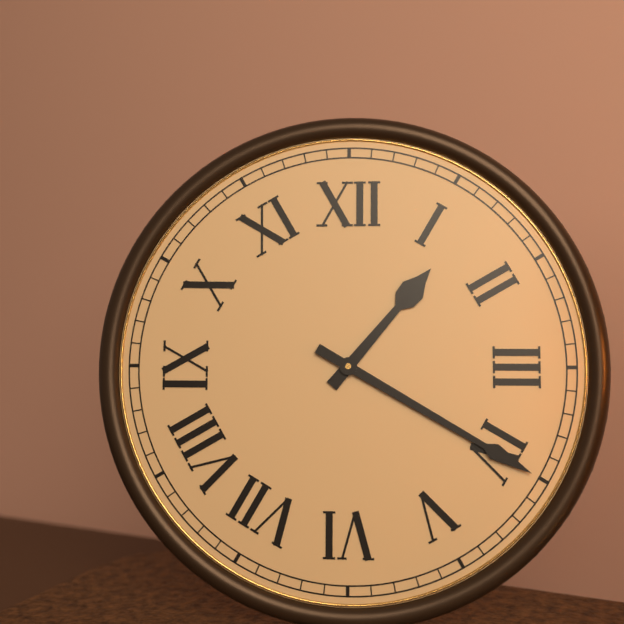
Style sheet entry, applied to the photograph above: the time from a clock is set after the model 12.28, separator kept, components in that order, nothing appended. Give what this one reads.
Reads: 1.20
